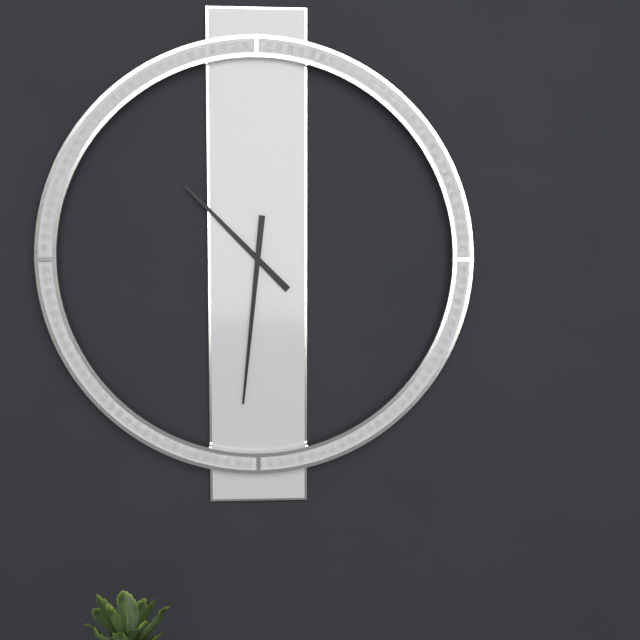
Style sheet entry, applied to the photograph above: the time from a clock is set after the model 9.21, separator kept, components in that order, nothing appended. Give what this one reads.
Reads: 10.31
